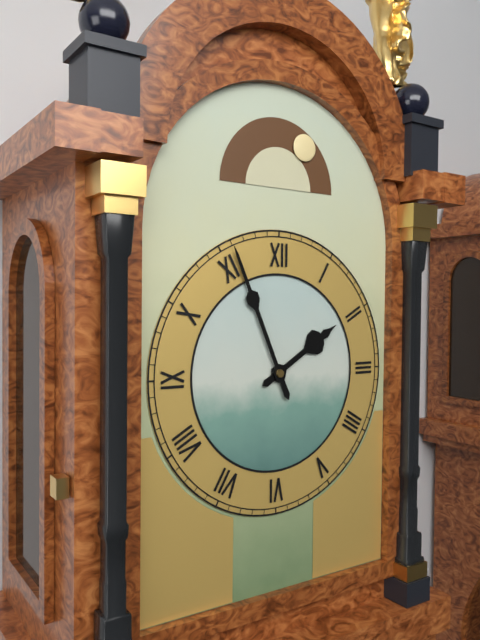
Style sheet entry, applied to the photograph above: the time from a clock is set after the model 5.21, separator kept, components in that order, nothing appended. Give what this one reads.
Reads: 1.56
